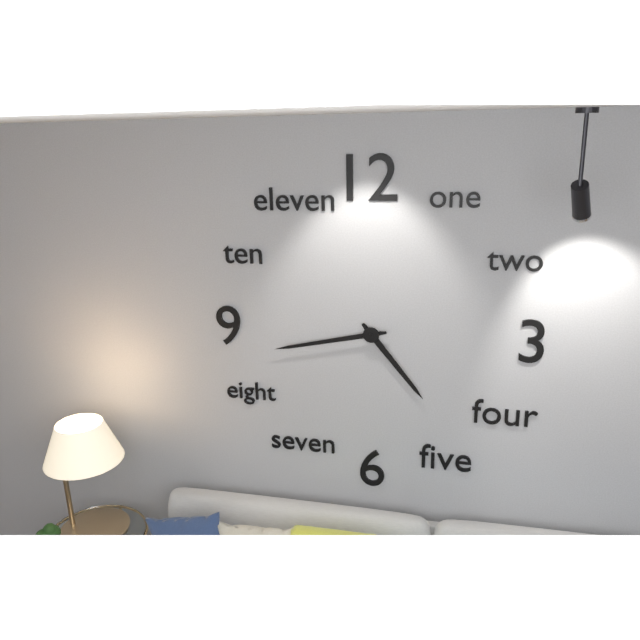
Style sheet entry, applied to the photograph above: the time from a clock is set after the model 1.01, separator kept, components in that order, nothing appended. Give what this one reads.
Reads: 4.43
